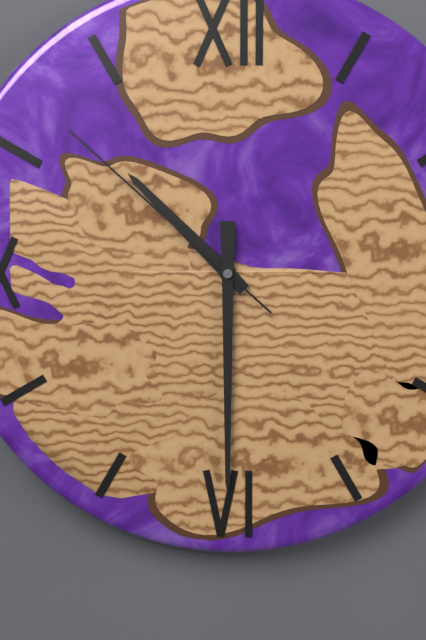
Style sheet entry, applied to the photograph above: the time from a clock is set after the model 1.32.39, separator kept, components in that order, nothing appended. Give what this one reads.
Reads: 10.30.52
